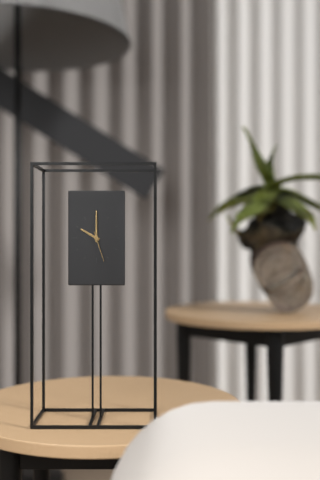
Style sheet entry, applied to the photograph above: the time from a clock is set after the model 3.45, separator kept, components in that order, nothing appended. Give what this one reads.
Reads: 10.00
